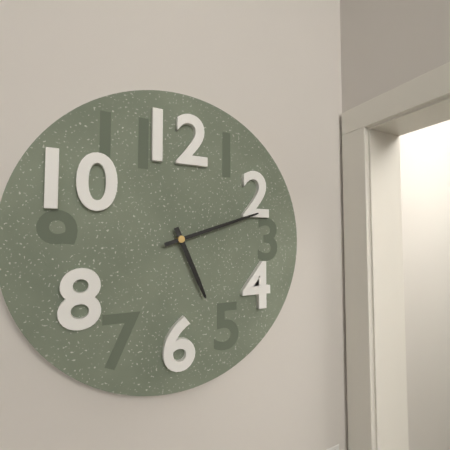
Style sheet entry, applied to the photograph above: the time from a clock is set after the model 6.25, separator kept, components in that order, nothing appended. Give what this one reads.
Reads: 5.12
